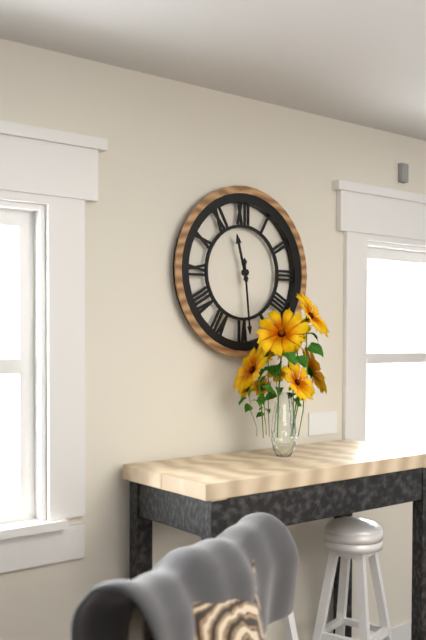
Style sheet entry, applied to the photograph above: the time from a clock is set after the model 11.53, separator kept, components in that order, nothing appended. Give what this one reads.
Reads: 11.29
